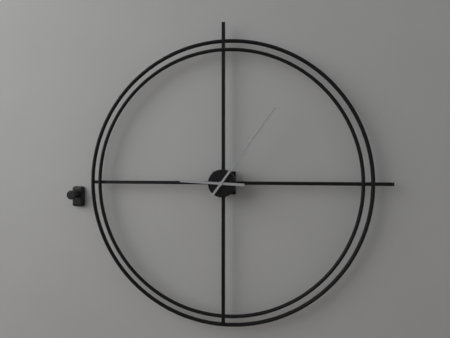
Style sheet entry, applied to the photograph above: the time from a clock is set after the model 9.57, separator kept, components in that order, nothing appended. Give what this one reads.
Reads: 9.06
